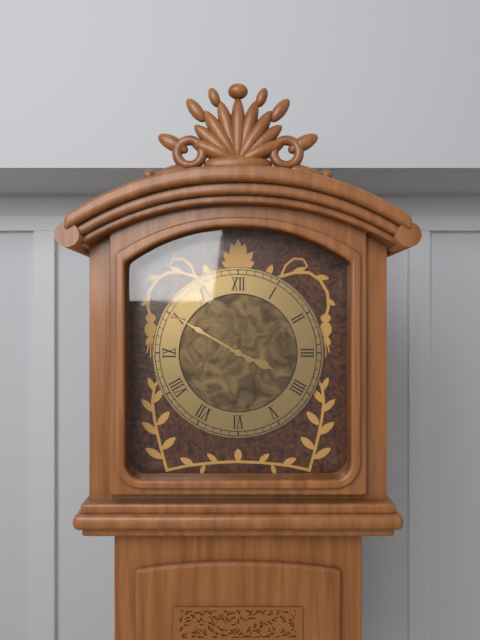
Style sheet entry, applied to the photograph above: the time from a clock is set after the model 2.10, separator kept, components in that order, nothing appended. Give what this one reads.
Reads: 3.50
